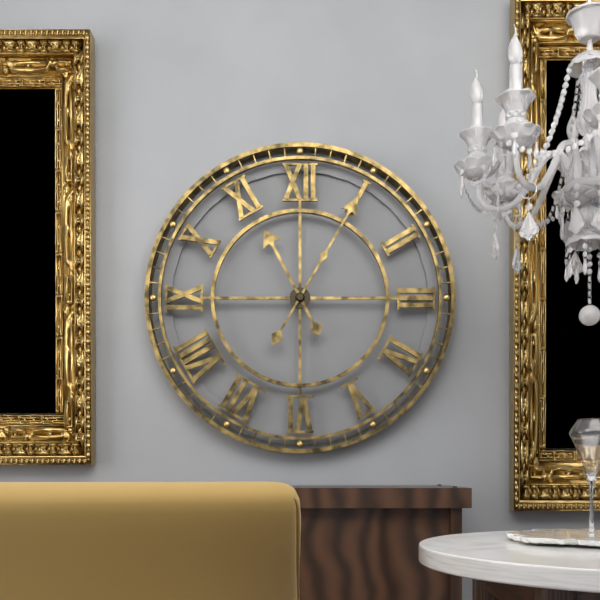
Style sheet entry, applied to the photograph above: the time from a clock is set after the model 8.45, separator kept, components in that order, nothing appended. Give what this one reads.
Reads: 11.05
